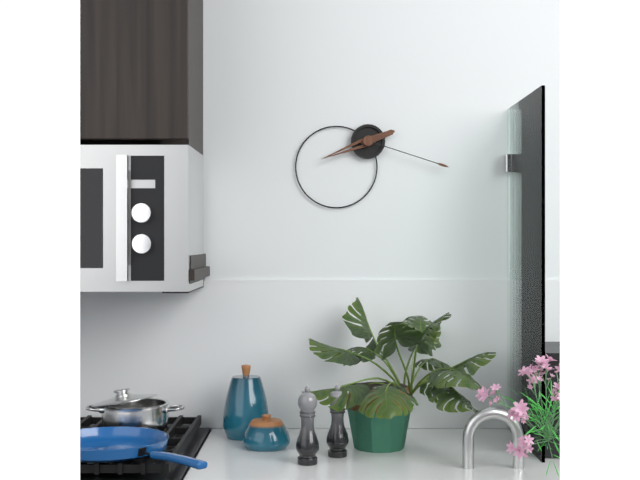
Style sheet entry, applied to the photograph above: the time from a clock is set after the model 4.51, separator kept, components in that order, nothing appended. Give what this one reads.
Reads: 8.18
